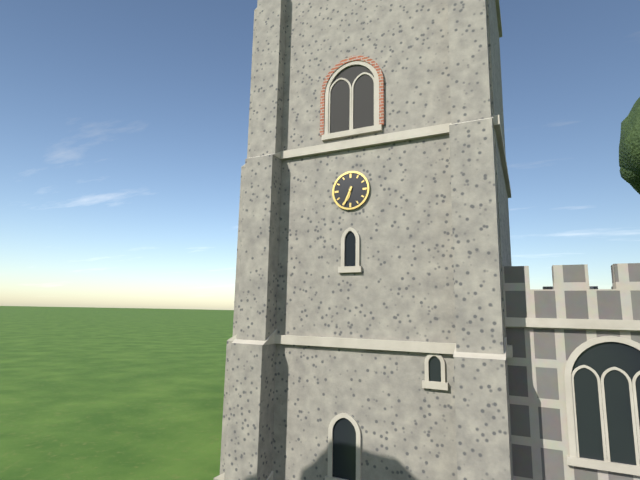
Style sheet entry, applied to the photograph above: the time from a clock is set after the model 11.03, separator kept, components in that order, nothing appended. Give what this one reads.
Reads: 6.34
